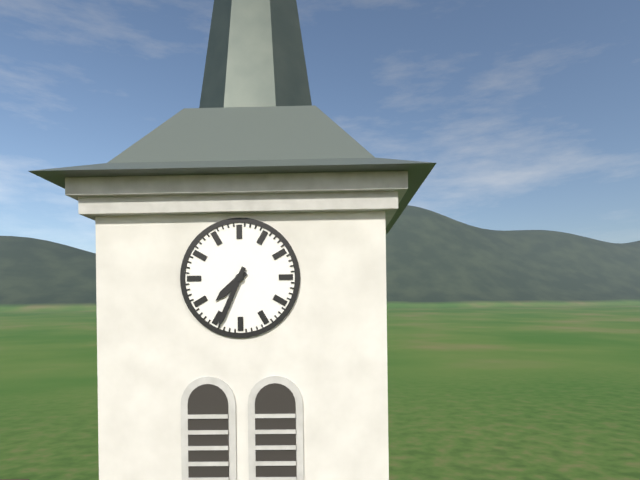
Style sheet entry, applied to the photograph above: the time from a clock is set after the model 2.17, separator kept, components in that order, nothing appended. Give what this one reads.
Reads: 7.34
